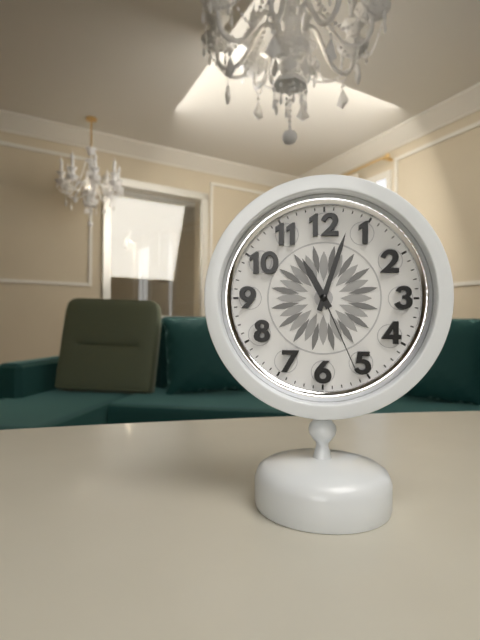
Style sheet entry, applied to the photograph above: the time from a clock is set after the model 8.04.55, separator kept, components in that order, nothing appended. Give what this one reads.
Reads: 11.03.26
